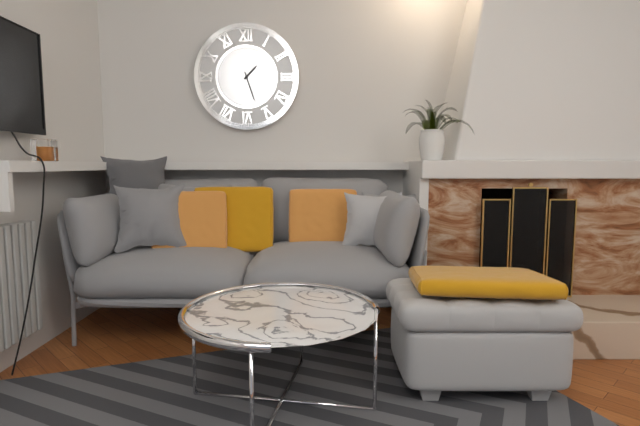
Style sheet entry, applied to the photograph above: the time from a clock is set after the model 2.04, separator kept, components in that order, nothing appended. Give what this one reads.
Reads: 1.27
